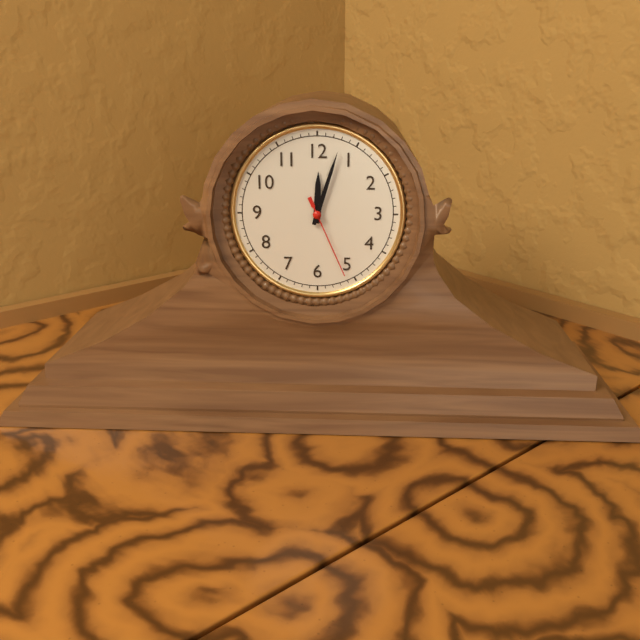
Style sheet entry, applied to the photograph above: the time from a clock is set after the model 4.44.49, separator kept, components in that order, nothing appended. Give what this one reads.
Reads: 12.03.26
